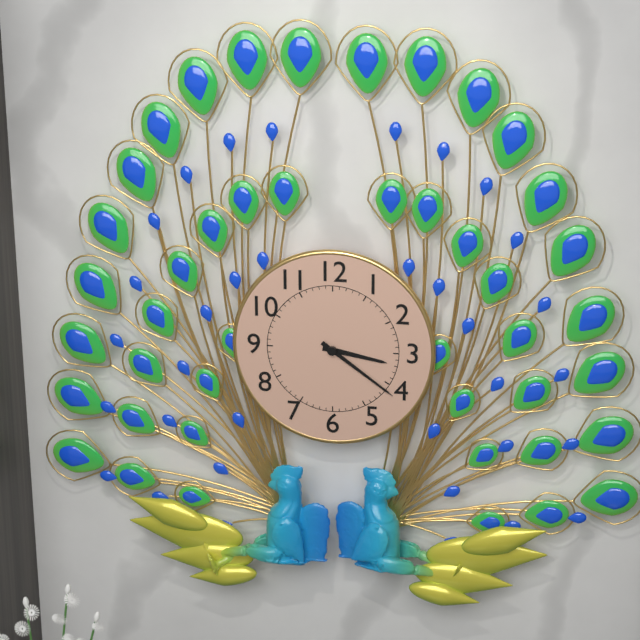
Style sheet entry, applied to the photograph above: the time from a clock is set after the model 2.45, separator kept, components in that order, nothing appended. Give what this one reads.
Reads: 3.21
